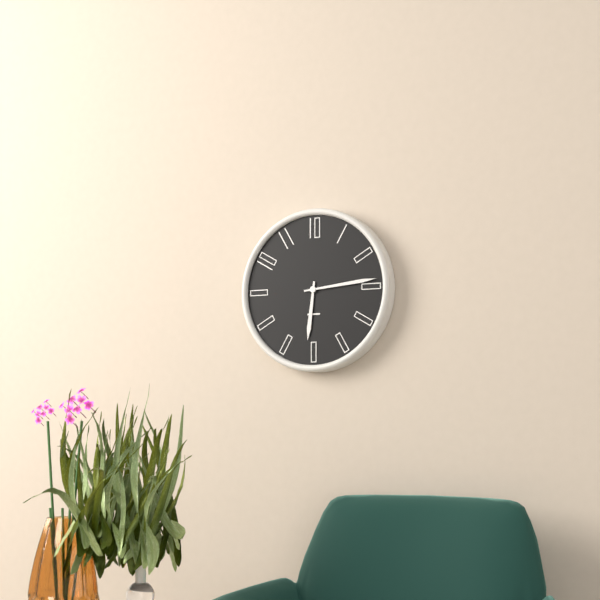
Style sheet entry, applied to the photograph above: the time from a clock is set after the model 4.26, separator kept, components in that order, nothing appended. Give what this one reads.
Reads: 6.14
